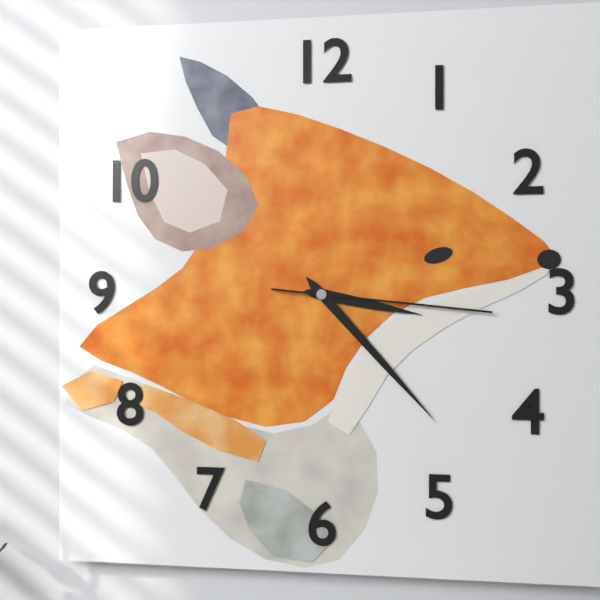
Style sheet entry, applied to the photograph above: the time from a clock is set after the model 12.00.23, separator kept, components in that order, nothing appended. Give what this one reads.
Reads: 3.23.16
